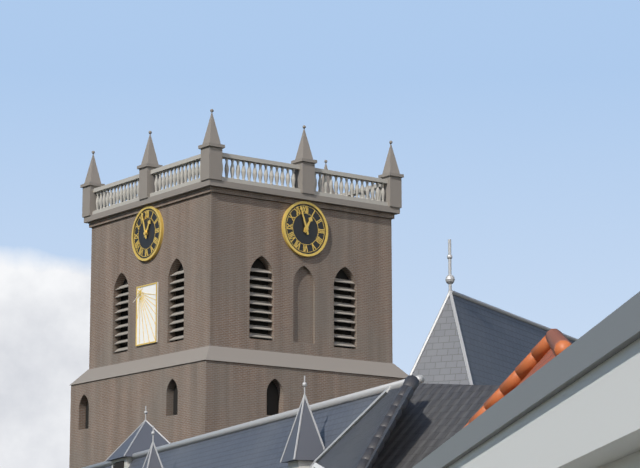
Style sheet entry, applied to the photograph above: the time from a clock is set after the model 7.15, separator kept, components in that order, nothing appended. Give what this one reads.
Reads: 12.57
